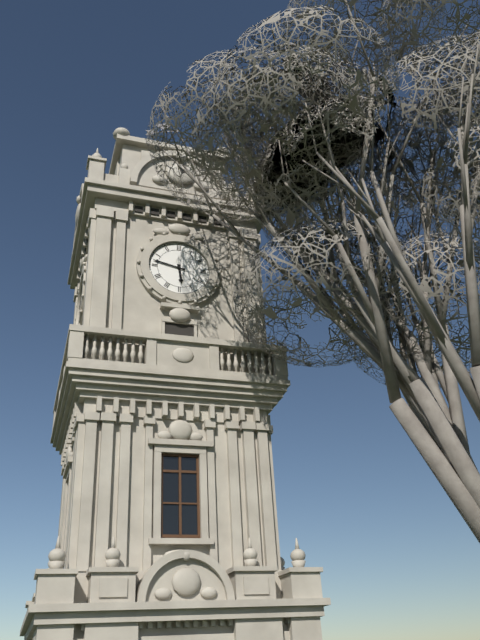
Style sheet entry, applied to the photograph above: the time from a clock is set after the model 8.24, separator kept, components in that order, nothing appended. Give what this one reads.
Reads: 5.47
